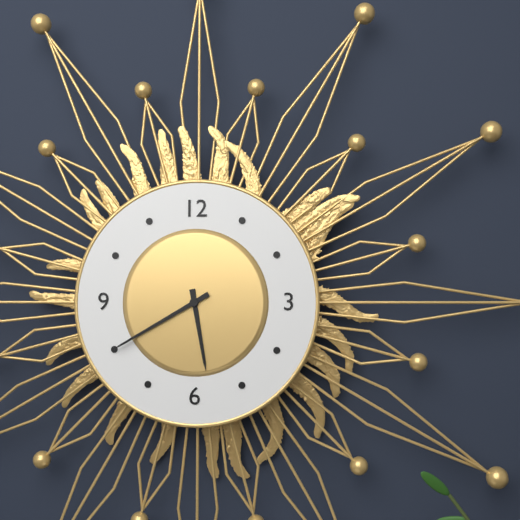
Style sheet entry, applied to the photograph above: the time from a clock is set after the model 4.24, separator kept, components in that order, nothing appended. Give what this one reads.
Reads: 5.40
